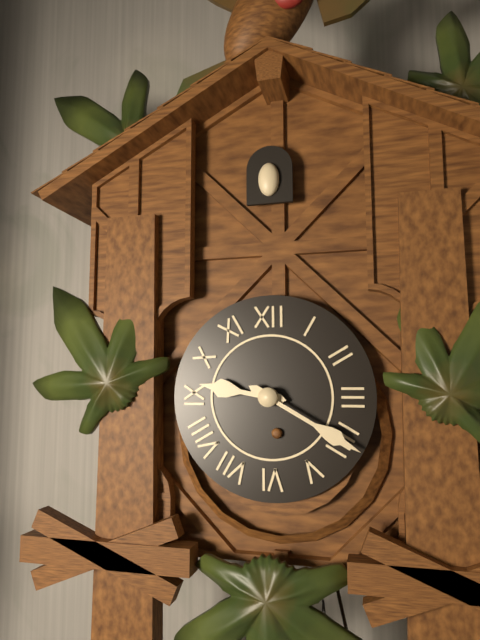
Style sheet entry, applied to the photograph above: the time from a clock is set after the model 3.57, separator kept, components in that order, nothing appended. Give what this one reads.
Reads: 9.20
